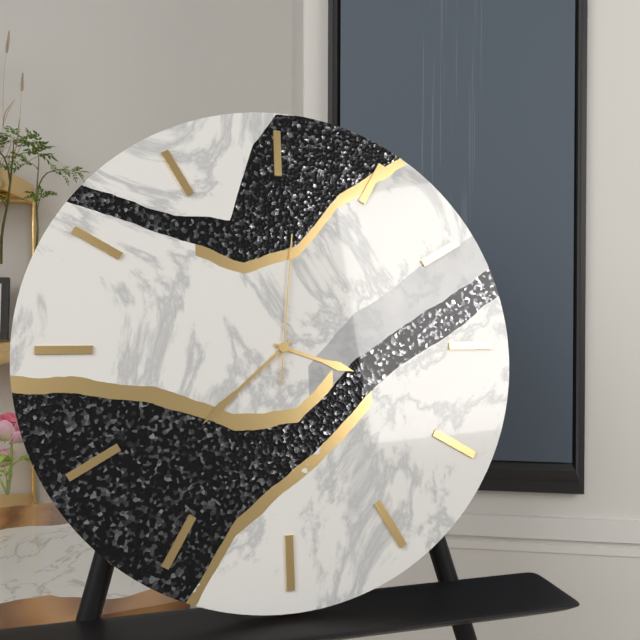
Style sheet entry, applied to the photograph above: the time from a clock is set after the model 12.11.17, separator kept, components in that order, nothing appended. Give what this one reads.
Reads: 3.38.01
